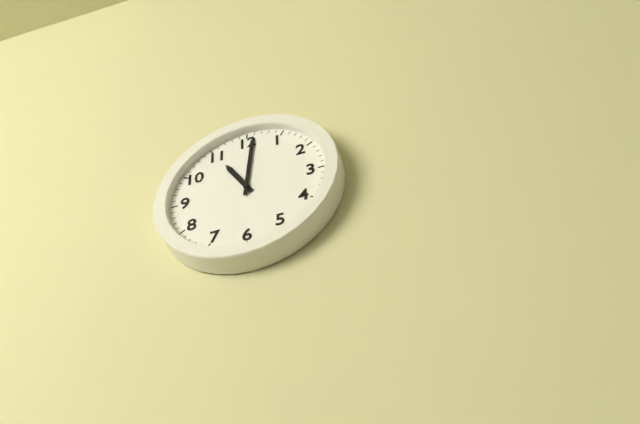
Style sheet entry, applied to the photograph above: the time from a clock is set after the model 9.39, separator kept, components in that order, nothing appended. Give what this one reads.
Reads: 11.01
